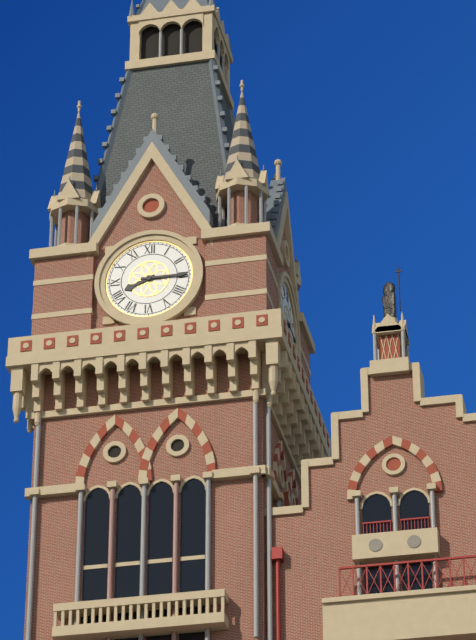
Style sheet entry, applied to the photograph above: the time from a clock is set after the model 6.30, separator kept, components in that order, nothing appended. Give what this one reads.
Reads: 8.15
